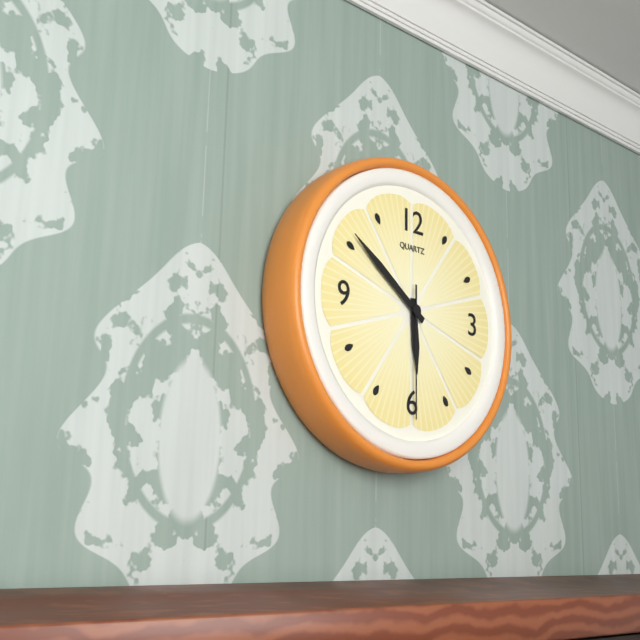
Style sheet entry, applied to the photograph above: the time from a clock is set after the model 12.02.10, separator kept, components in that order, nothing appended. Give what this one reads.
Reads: 5.51.30
